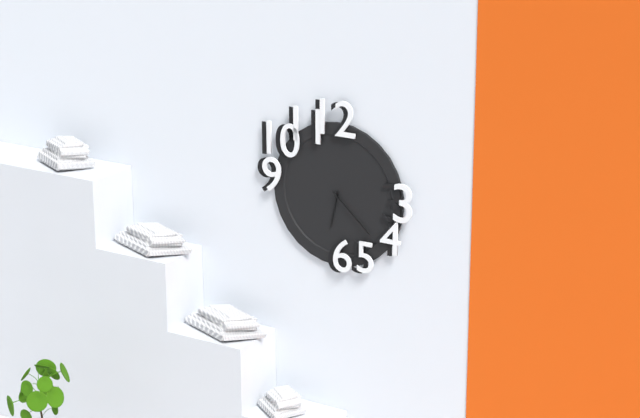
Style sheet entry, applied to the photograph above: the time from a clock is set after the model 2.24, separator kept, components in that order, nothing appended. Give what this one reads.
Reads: 6.22
